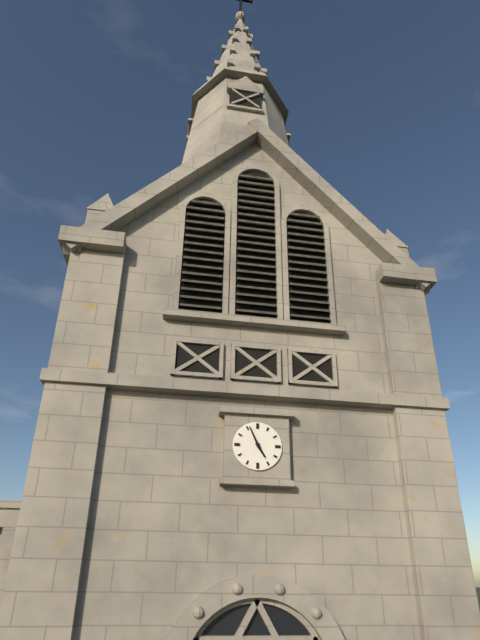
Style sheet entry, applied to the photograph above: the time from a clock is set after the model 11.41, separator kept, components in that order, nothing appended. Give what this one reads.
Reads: 4.56
